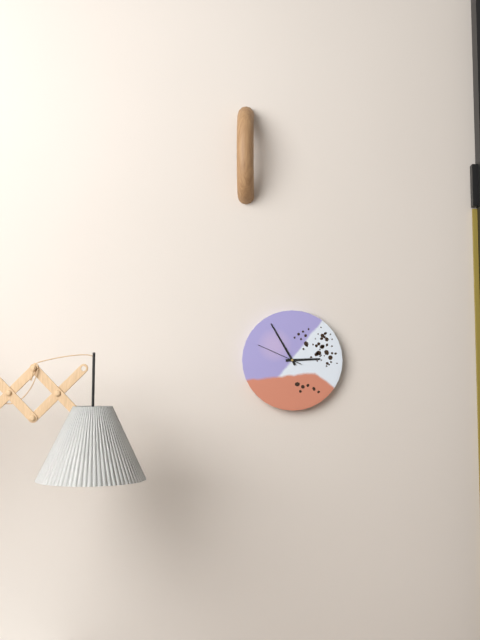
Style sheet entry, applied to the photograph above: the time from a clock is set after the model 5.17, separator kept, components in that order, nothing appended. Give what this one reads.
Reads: 2.55
